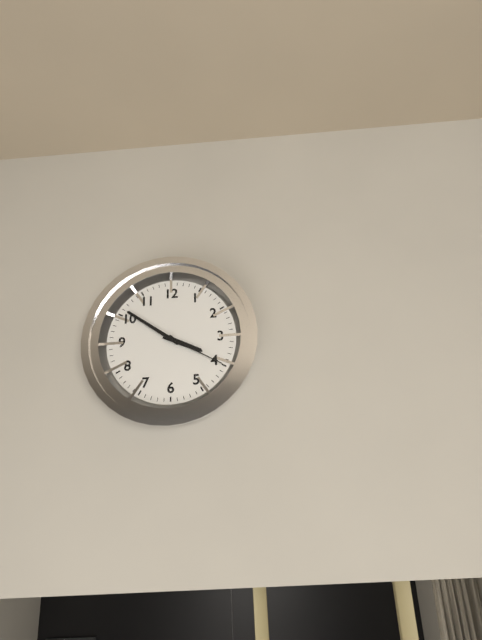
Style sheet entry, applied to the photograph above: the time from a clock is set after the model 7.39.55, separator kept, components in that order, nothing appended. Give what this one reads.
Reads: 3.51.20
